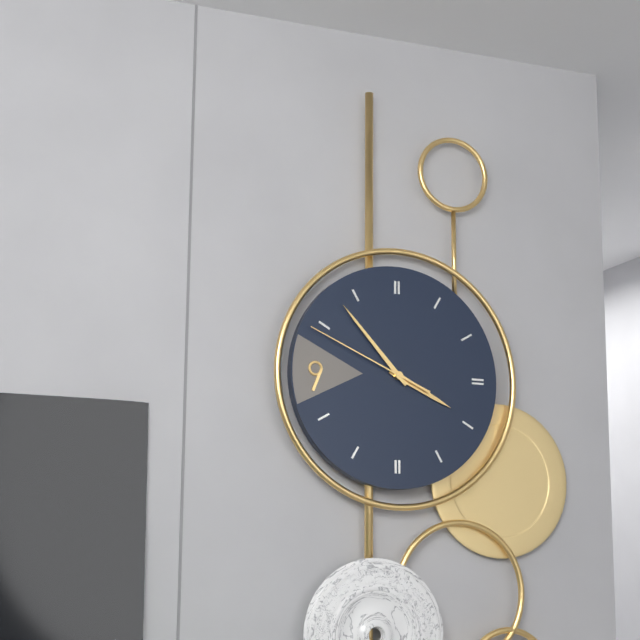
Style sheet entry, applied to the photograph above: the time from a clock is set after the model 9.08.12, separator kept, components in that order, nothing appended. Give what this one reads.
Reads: 3.53.49
